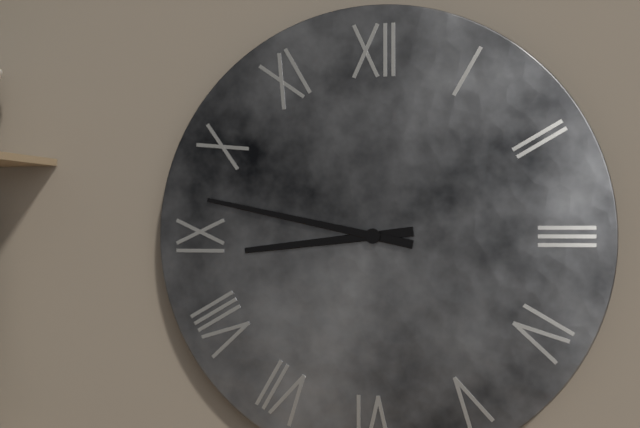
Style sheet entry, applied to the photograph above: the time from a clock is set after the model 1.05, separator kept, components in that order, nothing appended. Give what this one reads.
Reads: 8.47
